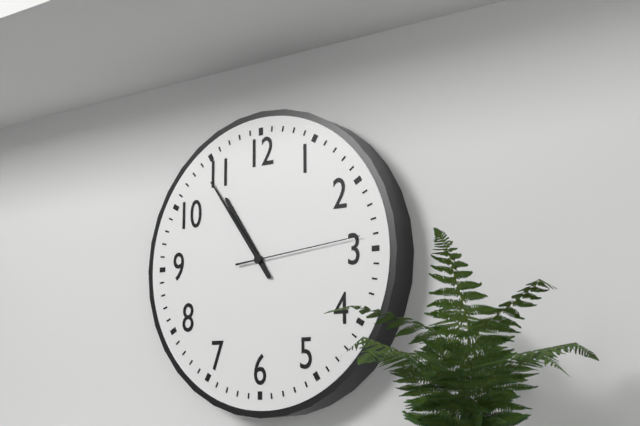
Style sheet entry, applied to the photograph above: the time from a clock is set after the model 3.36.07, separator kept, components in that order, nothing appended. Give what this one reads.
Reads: 10.54.14
